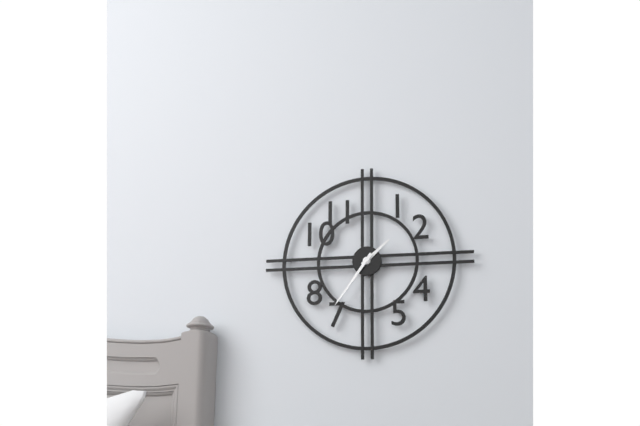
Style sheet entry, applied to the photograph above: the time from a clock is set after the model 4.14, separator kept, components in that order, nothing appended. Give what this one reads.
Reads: 1.36
